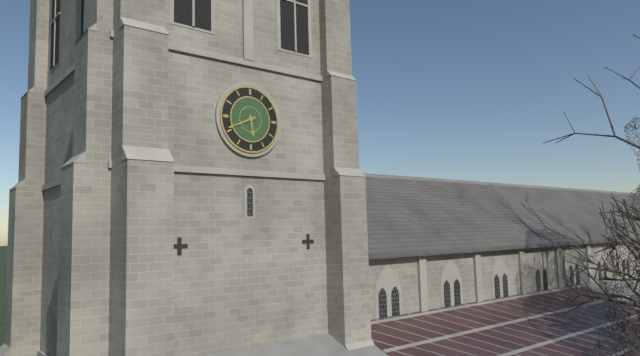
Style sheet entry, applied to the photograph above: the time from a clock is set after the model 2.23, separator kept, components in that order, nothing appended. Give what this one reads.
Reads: 5.41
